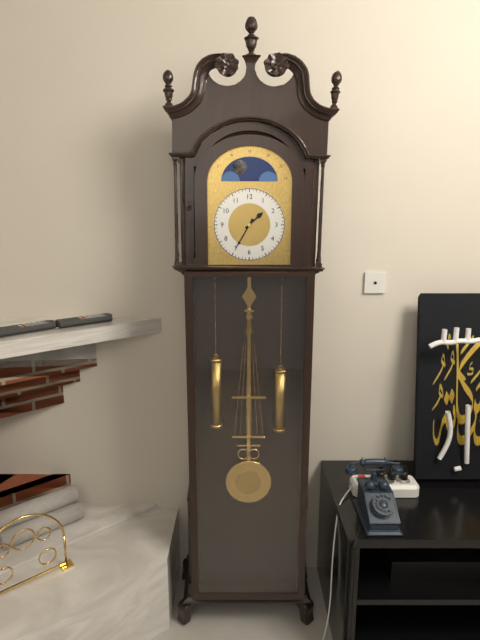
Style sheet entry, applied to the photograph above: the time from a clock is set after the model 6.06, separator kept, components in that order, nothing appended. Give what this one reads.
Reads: 1.35
